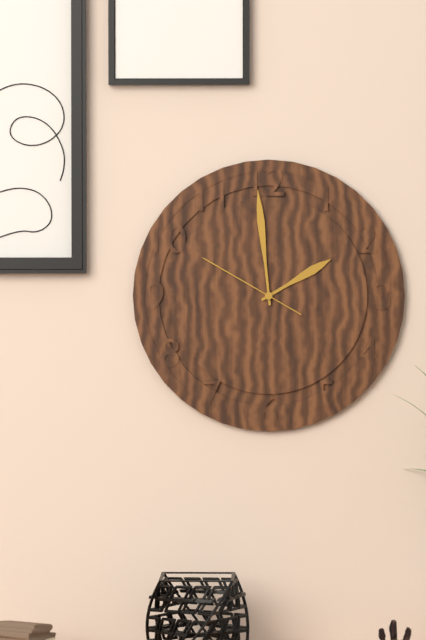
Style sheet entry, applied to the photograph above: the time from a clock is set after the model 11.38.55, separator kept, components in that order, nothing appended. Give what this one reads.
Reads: 1.59.50
